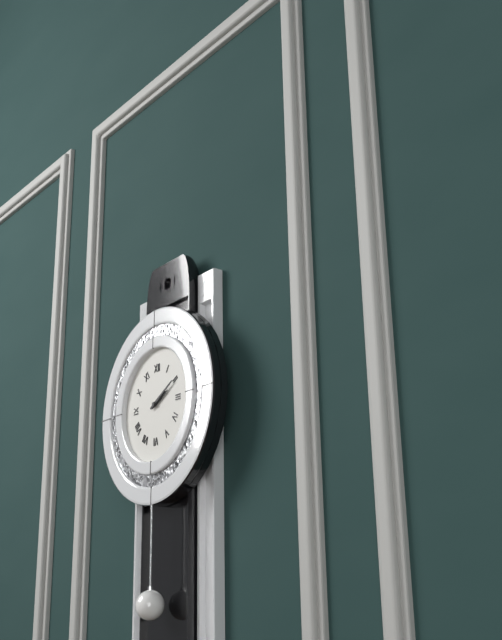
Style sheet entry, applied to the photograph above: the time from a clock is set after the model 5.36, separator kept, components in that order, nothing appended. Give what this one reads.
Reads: 2.10
